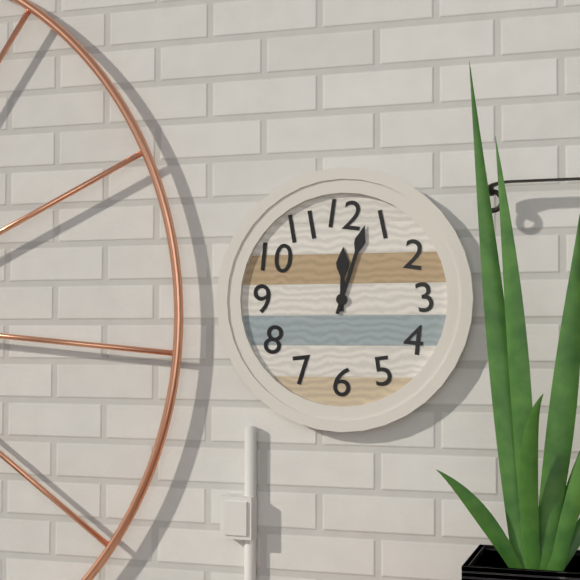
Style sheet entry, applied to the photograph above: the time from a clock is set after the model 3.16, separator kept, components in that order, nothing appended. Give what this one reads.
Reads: 12.03
